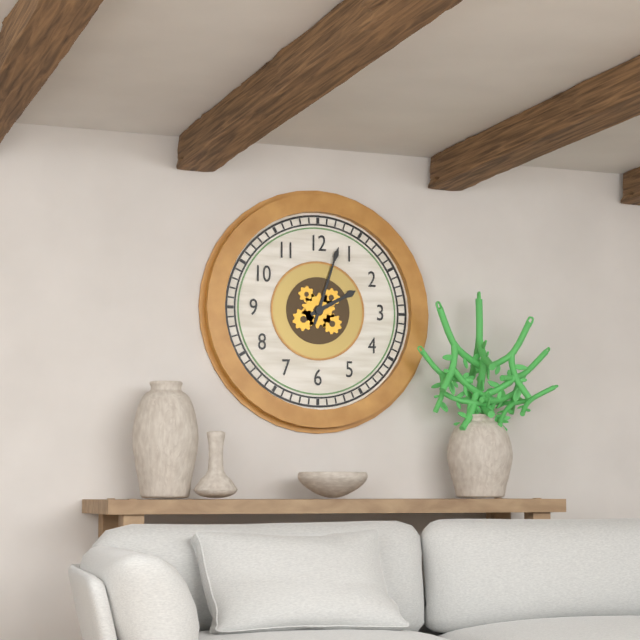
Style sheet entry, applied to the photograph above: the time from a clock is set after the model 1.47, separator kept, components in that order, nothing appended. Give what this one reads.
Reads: 2.03
